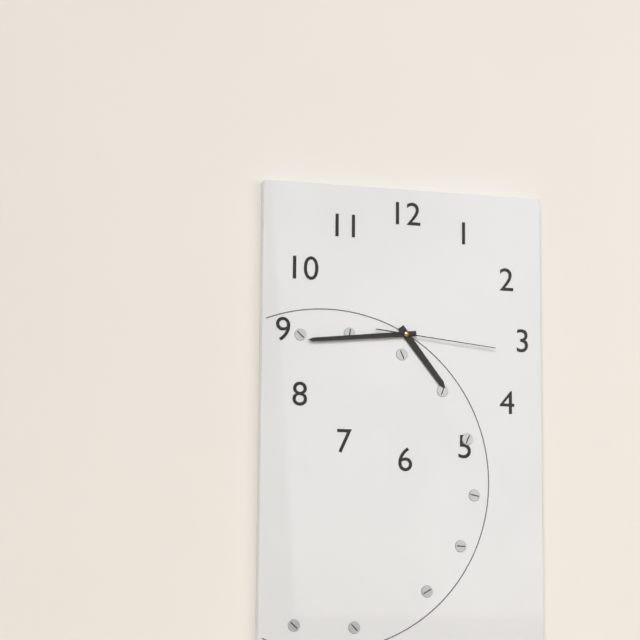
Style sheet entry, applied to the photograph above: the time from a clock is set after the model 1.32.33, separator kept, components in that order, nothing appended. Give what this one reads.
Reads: 4.44.16
